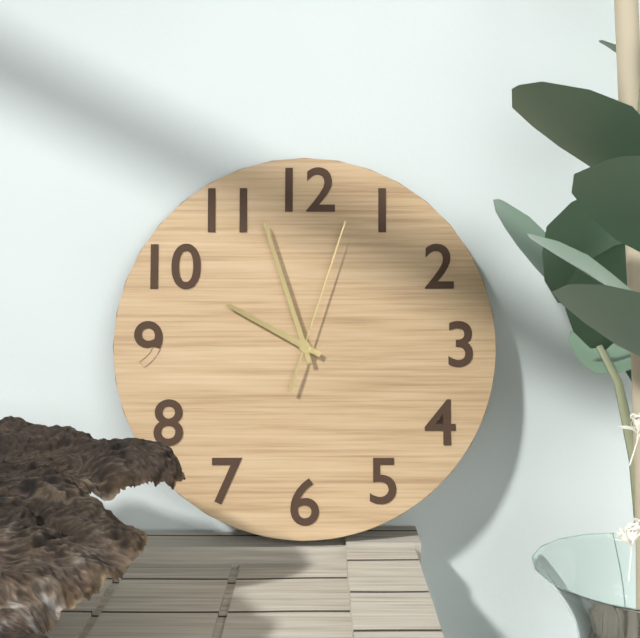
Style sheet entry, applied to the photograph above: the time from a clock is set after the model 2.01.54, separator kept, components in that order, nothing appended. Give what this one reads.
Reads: 9.57.03
